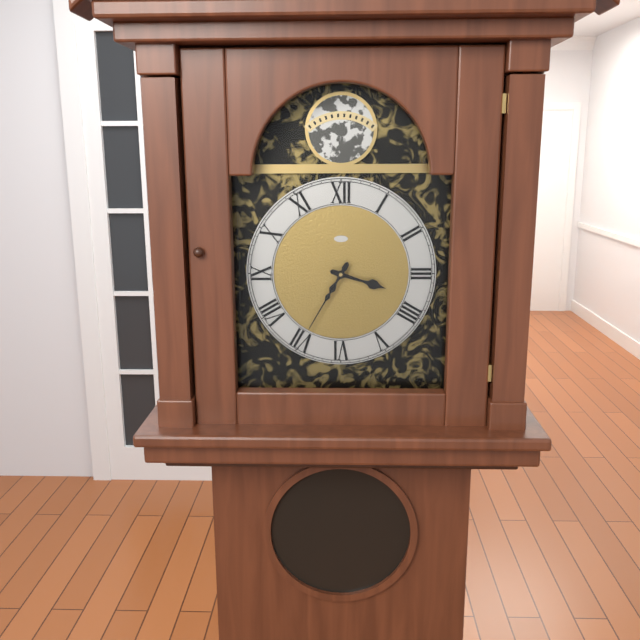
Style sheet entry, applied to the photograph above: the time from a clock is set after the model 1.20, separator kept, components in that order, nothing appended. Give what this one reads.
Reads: 3.35
